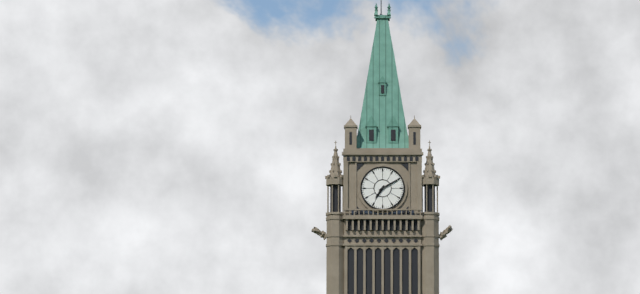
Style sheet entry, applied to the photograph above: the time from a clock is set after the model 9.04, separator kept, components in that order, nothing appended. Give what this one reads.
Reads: 7.10
